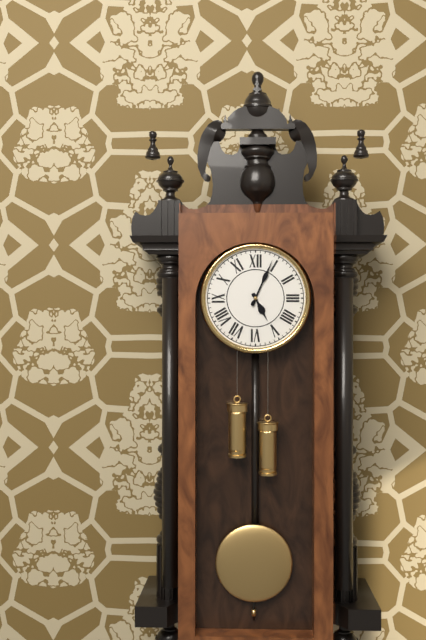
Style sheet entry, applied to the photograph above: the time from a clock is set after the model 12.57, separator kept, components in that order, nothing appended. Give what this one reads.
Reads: 5.04
